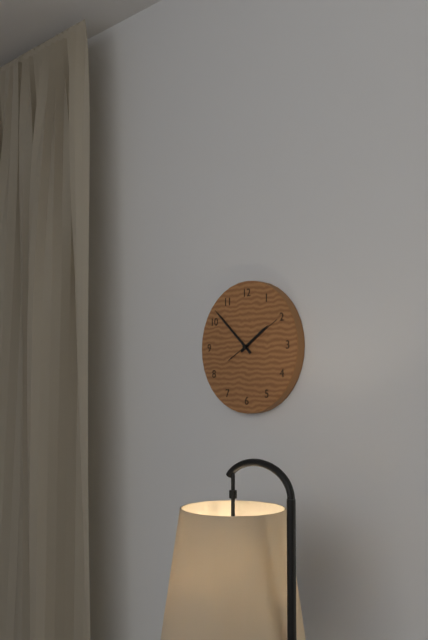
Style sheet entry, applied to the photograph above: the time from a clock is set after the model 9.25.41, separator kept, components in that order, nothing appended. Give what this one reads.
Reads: 1.52.10
